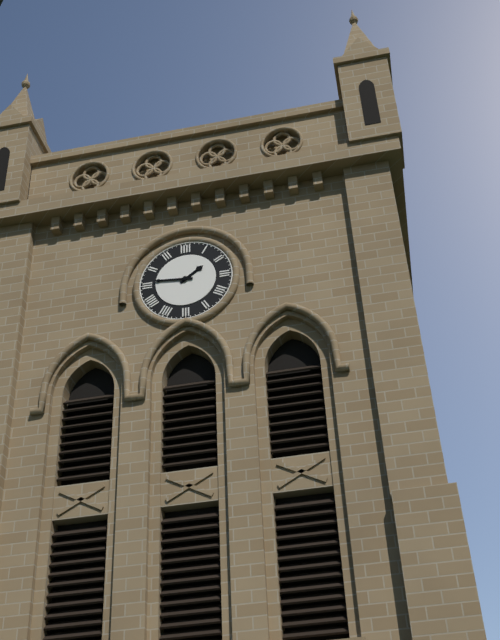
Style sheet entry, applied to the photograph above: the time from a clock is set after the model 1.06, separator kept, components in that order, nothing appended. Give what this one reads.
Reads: 1.46
